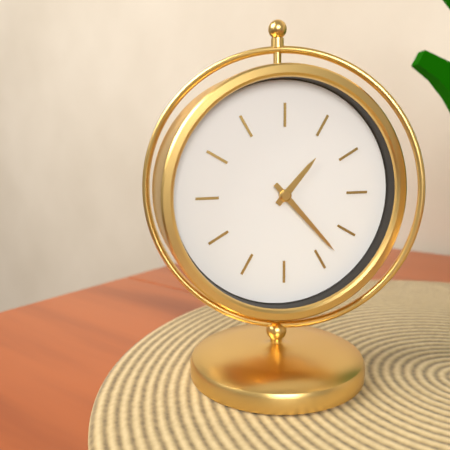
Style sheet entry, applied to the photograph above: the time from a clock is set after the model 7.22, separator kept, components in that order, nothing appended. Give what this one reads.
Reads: 1.23
